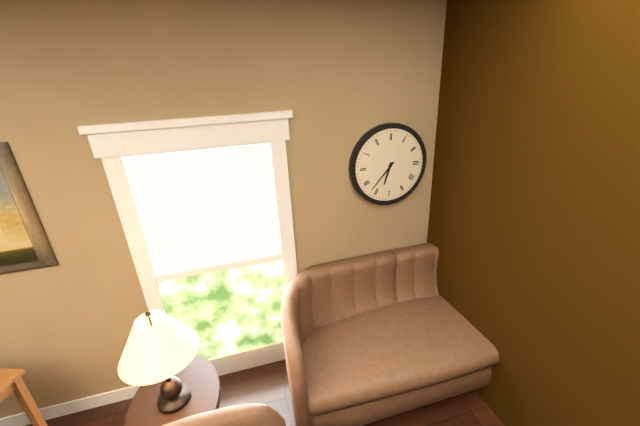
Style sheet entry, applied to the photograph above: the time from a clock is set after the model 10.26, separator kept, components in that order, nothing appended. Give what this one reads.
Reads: 6.37
